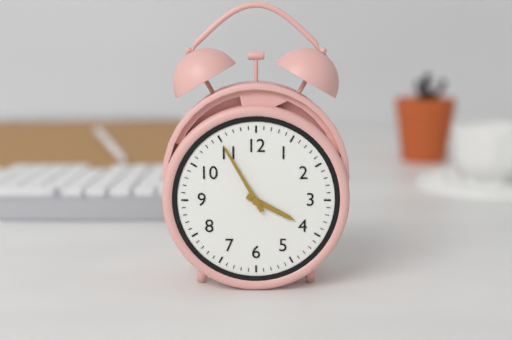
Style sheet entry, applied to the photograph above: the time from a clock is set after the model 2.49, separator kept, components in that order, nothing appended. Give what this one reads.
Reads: 3.55
